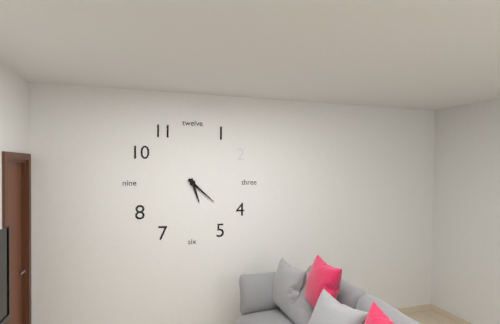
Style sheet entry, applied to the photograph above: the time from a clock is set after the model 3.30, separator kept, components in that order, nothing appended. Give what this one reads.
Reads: 5.22
